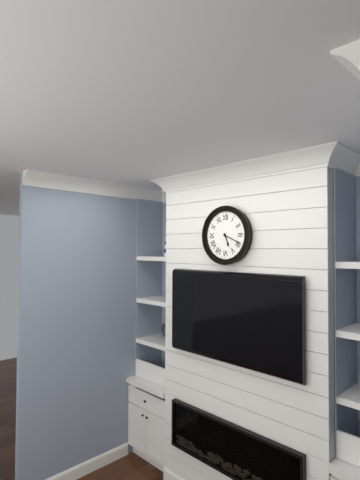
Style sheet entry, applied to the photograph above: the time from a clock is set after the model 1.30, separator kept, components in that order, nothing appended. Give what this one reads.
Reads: 5.19
